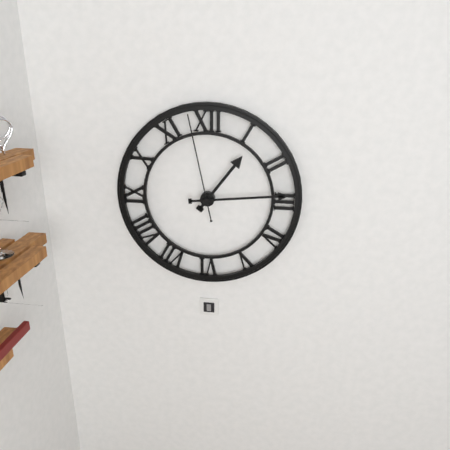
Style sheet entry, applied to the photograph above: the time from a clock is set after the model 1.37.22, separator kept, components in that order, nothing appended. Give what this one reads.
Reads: 1.14.58
